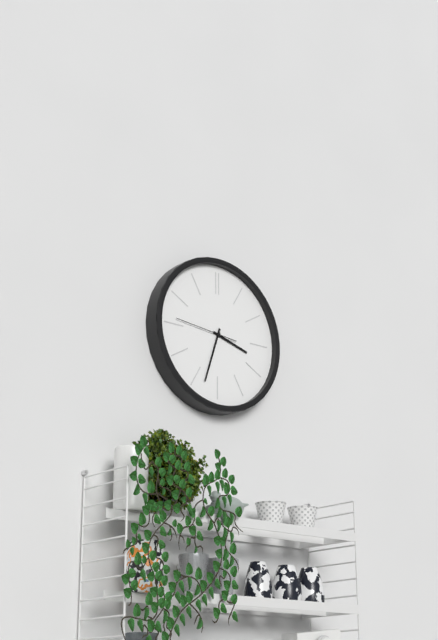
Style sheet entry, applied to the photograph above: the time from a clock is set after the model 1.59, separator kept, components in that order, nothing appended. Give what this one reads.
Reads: 3.33
